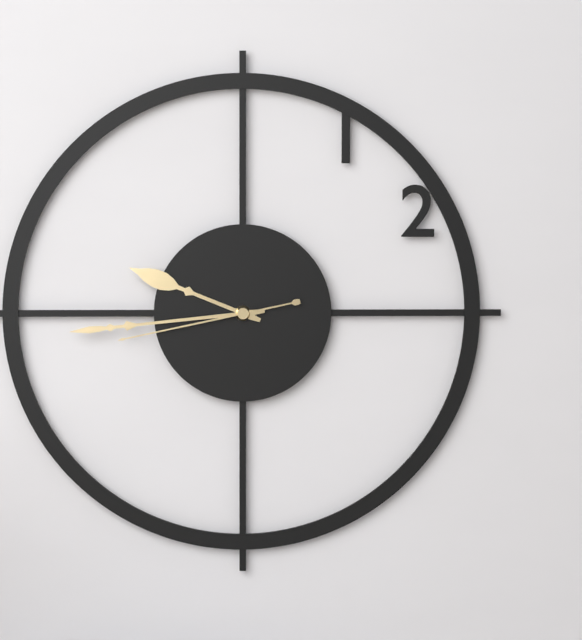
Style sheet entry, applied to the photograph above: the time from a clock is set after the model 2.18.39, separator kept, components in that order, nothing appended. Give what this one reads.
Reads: 9.44.43
